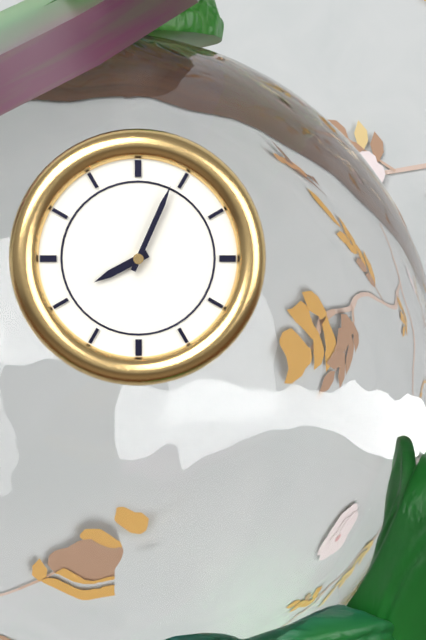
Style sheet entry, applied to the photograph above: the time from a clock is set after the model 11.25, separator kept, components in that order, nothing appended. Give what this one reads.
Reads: 8.04
